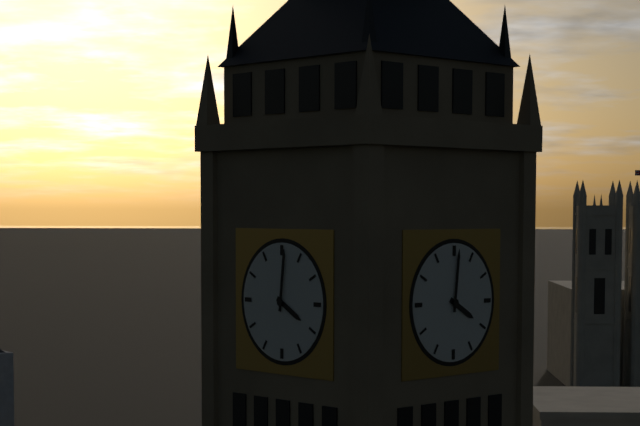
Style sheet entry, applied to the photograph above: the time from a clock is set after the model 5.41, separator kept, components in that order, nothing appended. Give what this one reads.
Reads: 4.01
